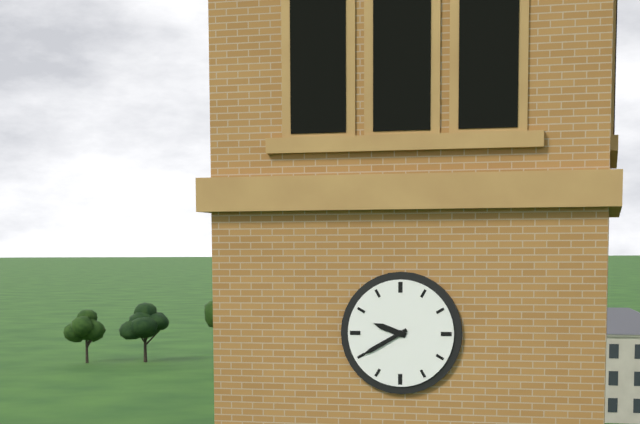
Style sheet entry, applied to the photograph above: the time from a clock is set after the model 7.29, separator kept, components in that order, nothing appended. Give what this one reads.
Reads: 9.40
